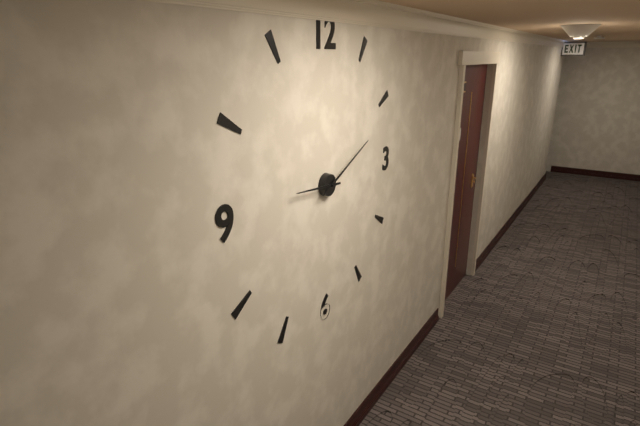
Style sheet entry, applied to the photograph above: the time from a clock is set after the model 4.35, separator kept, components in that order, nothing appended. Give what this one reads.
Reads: 9.11
